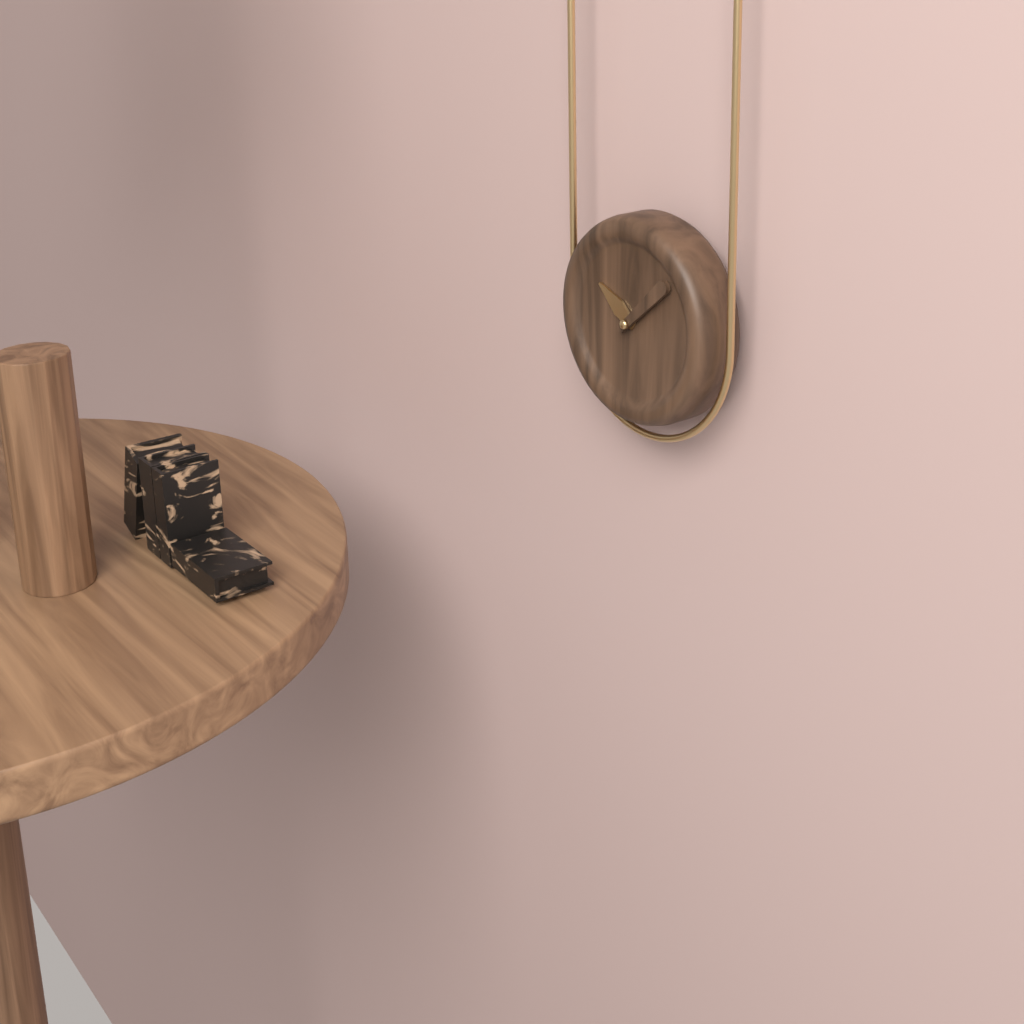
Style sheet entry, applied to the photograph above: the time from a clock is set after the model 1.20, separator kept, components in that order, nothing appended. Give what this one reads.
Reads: 10.08
